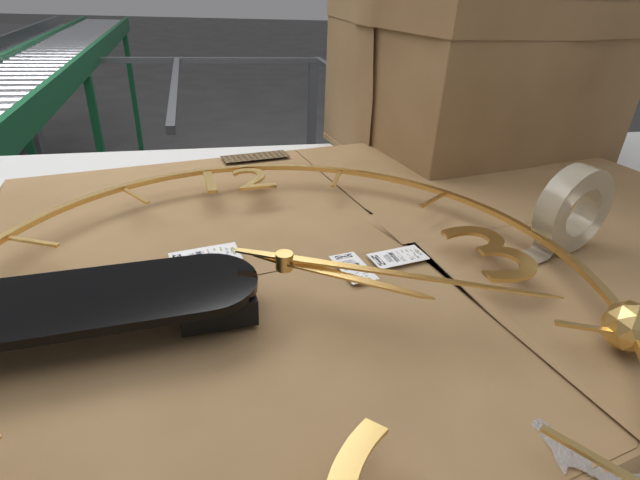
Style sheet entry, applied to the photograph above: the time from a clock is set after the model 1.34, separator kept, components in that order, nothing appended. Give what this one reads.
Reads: 4.20
